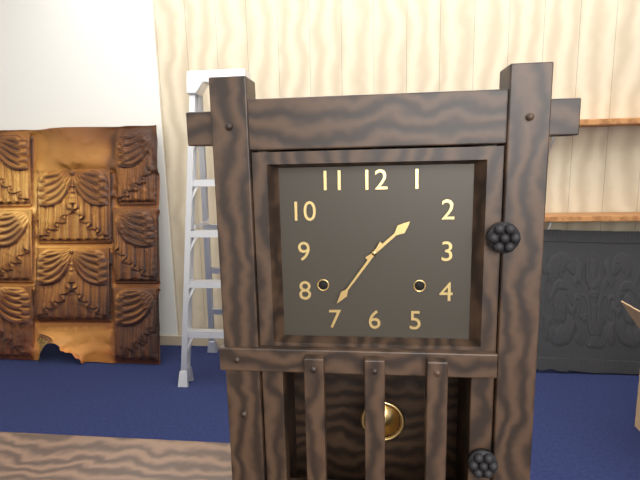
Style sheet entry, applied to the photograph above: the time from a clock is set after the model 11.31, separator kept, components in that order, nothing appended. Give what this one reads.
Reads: 1.36
